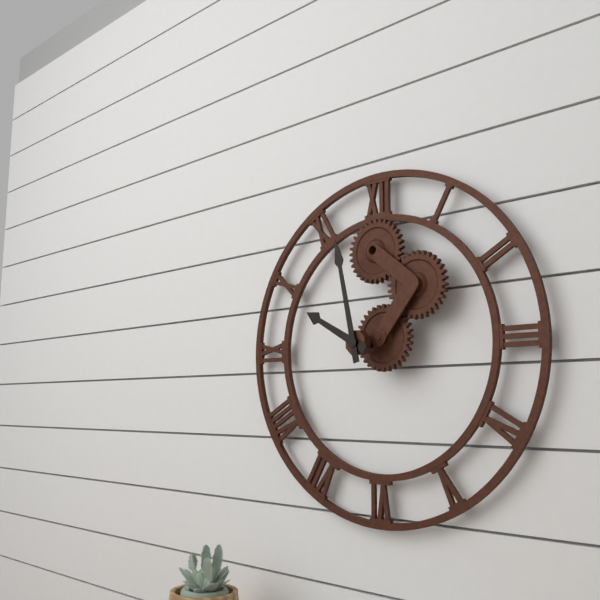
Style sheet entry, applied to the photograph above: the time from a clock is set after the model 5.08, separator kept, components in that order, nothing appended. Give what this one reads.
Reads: 9.58
